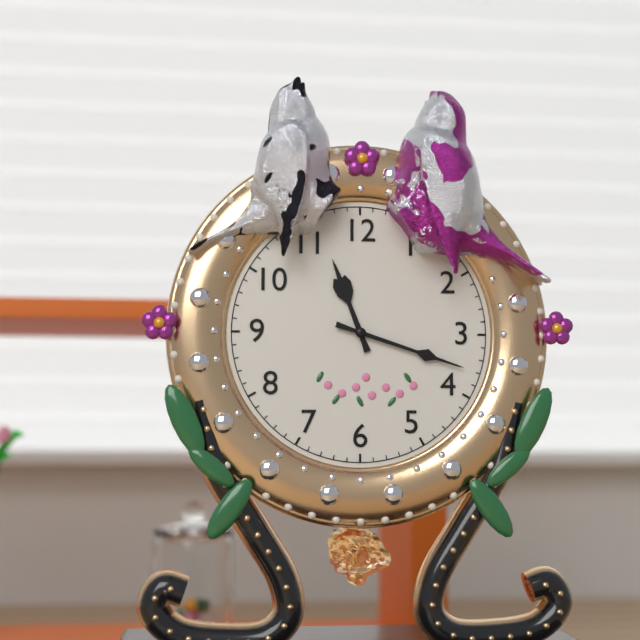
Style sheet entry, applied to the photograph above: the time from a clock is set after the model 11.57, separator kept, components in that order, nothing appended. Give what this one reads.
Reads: 11.18
